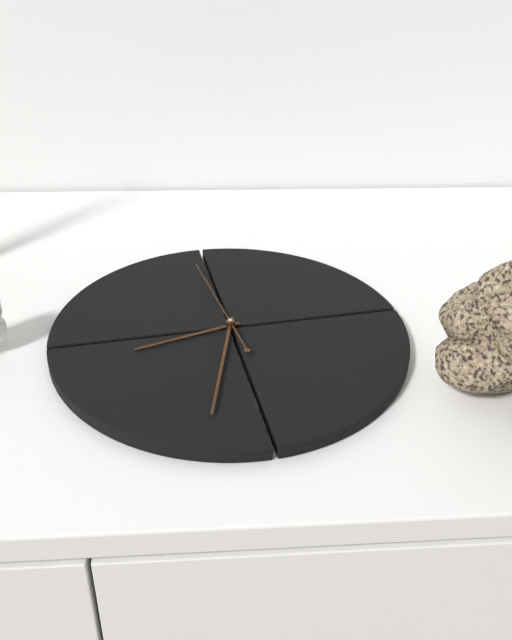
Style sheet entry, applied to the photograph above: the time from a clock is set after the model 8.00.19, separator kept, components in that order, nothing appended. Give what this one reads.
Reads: 8.33.59
